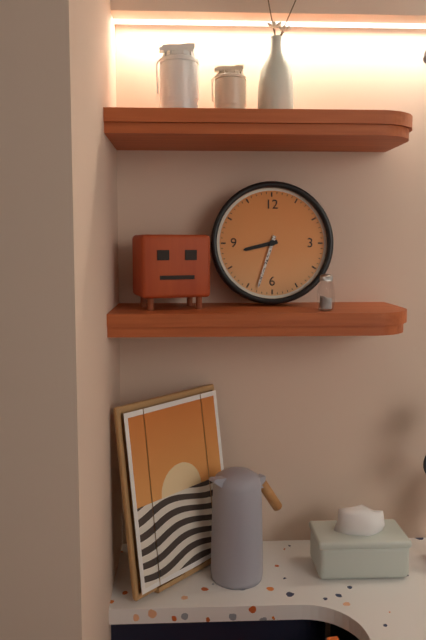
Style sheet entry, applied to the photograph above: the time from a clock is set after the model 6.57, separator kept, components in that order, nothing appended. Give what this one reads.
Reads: 8.33
